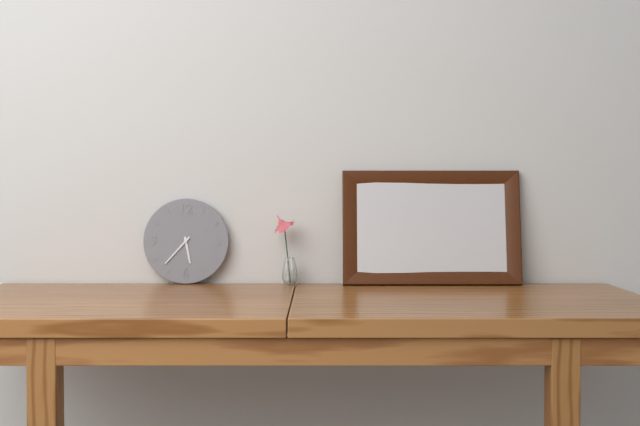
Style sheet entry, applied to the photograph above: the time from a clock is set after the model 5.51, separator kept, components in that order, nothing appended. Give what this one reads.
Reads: 5.37
